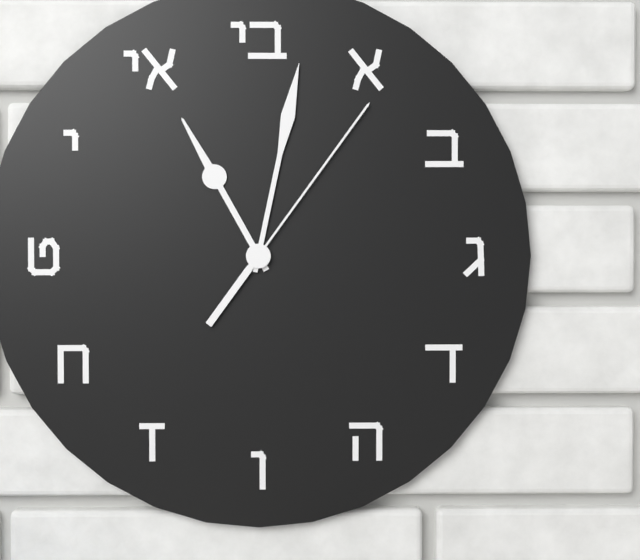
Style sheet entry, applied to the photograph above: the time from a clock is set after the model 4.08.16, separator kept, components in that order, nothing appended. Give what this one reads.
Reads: 11.02.06
